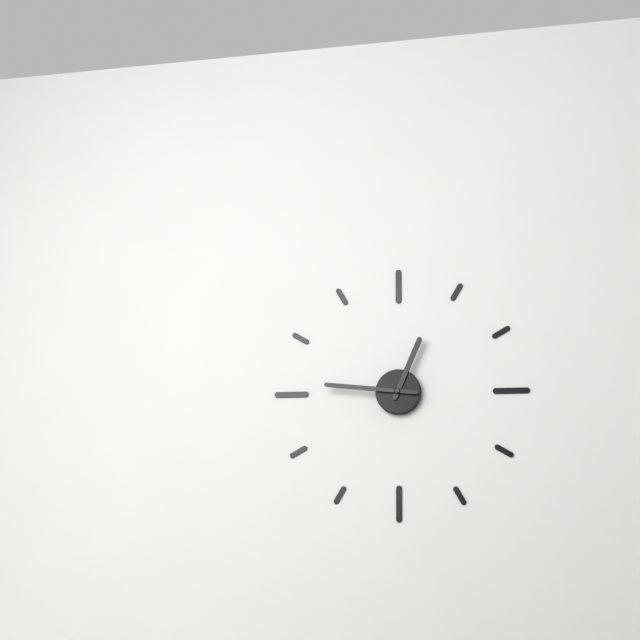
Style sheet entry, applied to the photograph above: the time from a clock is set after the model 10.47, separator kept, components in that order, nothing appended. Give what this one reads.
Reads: 12.46
